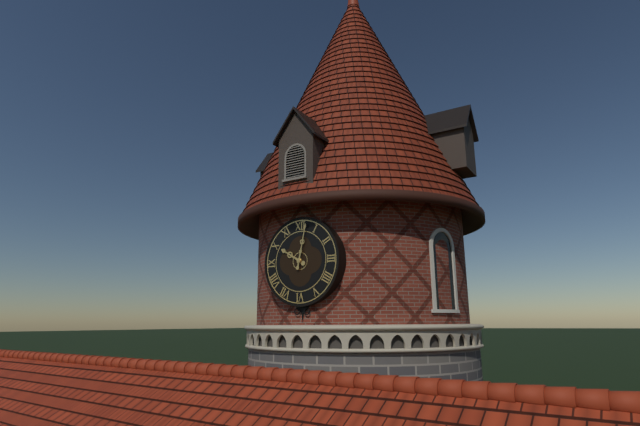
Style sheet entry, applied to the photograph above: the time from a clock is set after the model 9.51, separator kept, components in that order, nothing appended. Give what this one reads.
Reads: 10.02
